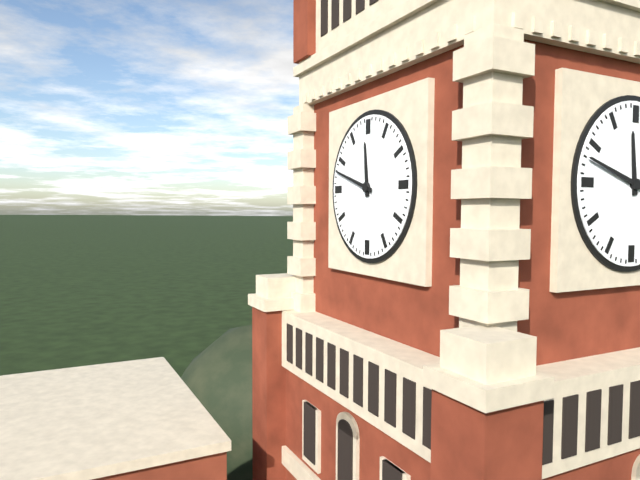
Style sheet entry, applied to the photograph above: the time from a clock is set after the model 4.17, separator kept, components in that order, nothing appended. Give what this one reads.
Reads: 11.48
